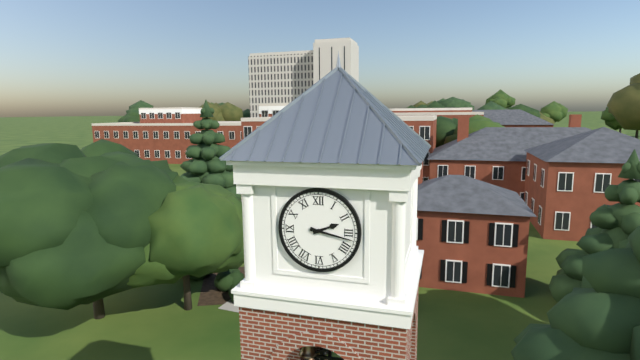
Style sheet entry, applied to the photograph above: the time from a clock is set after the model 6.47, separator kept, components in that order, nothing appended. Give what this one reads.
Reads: 2.17
